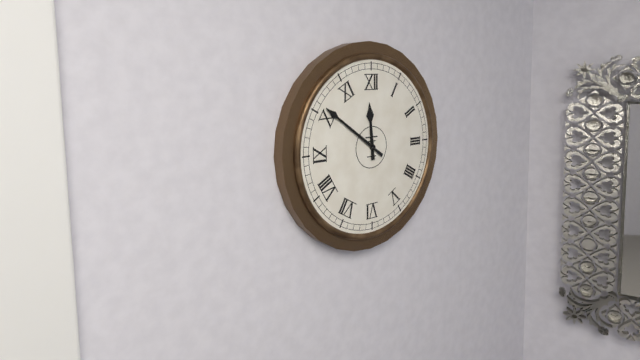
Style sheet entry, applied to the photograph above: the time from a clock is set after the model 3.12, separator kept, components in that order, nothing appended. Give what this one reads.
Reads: 11.51
